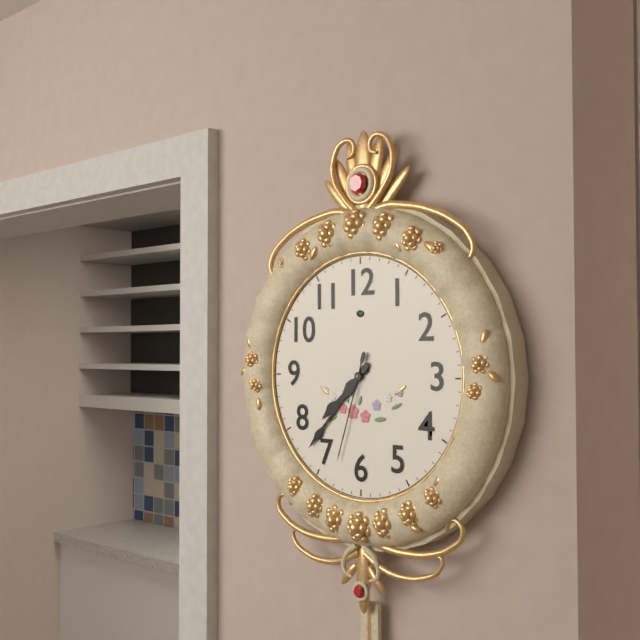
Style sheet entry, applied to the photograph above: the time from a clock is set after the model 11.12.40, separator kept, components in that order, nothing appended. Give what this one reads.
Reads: 7.37.33
